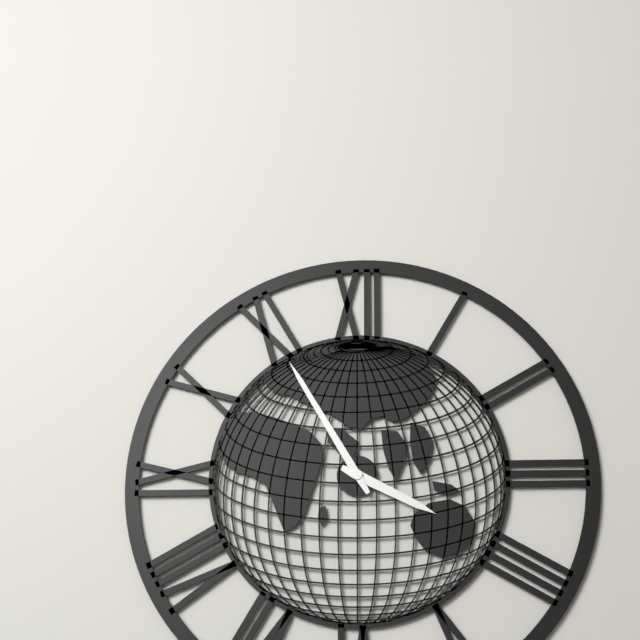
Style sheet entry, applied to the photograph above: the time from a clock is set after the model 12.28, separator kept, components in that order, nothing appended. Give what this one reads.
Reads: 3.55
